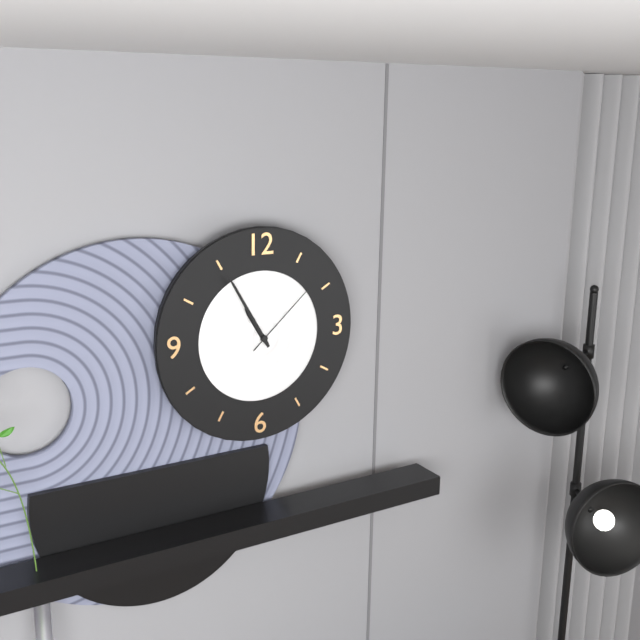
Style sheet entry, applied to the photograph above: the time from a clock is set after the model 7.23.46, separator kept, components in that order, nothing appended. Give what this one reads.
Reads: 10.55.08
